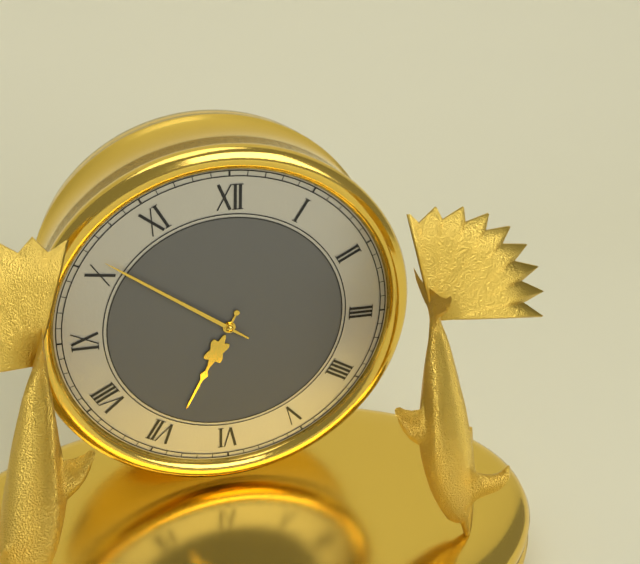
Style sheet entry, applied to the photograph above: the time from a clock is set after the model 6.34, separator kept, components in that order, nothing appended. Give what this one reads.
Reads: 6.51
